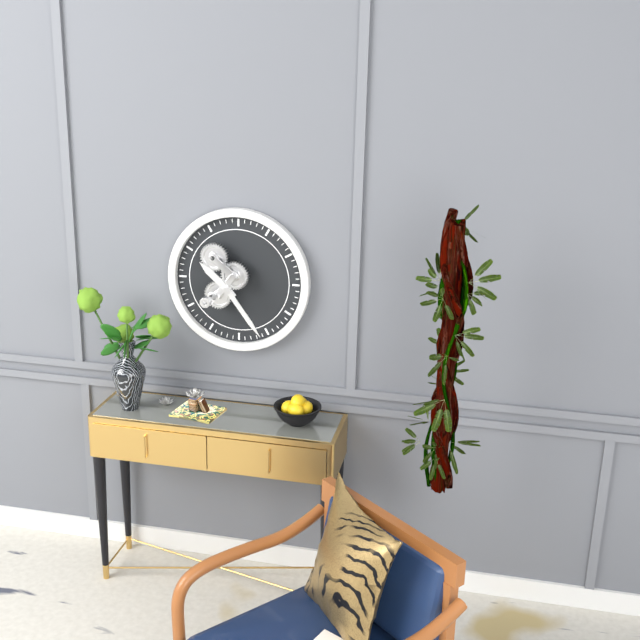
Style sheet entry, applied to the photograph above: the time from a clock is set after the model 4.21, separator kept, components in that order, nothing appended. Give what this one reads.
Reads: 10.24
